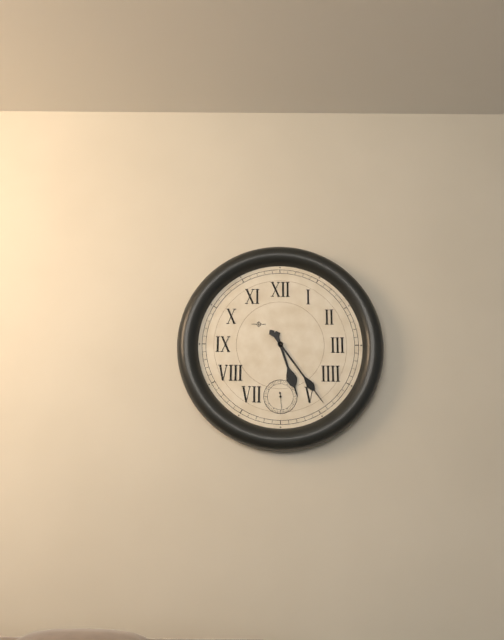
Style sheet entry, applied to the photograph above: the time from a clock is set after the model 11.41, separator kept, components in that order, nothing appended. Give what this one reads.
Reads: 5.24
